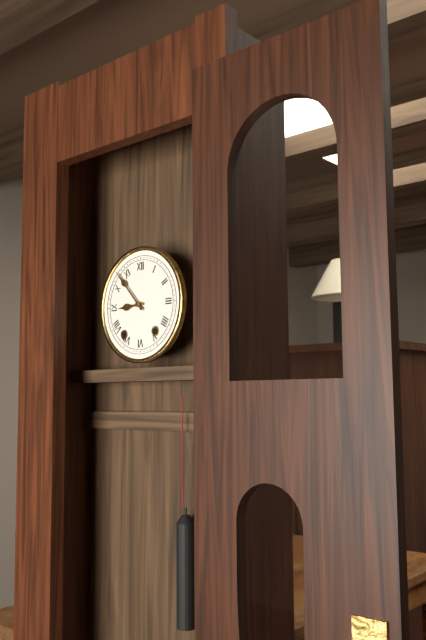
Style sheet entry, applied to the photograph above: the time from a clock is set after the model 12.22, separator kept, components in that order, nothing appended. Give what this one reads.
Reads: 8.53
